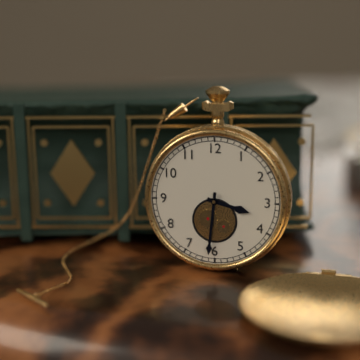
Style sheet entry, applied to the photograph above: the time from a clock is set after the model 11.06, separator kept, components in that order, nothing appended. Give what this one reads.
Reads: 3.31
